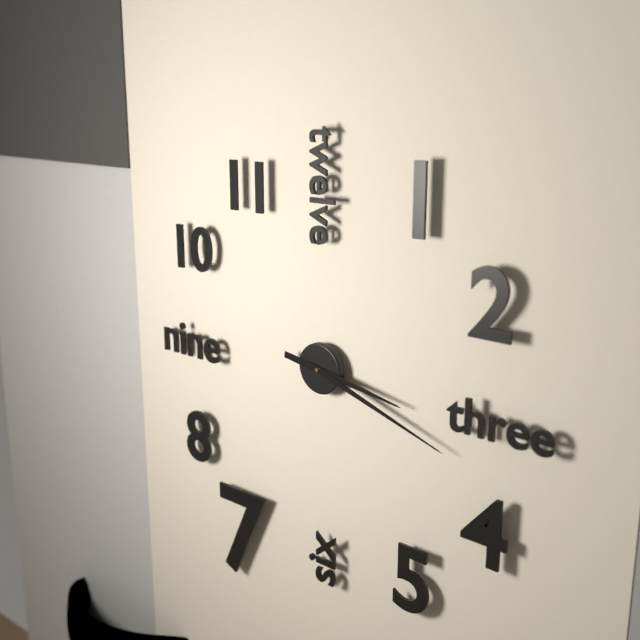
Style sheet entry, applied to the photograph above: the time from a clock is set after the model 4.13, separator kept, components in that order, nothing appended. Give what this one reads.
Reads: 3.18
